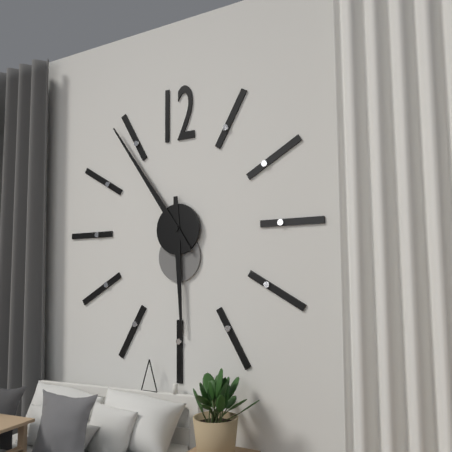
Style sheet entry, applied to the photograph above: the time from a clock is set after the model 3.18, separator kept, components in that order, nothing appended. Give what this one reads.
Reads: 5.54
